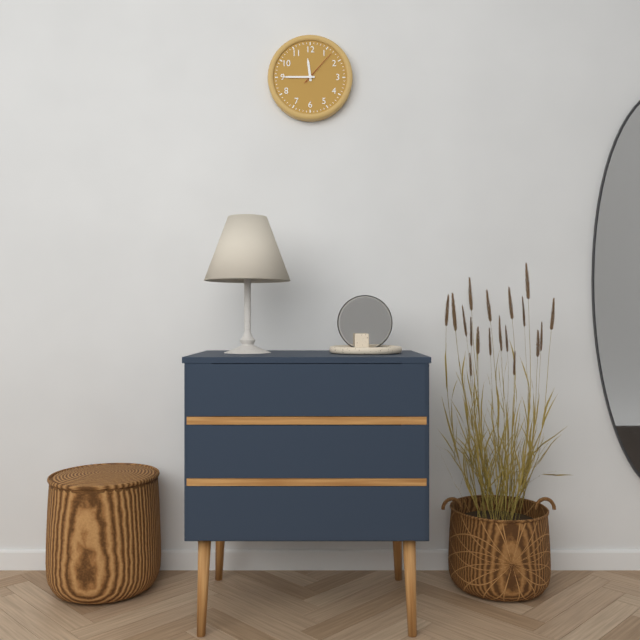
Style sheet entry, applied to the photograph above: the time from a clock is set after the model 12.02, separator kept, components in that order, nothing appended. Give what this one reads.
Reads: 11.45
